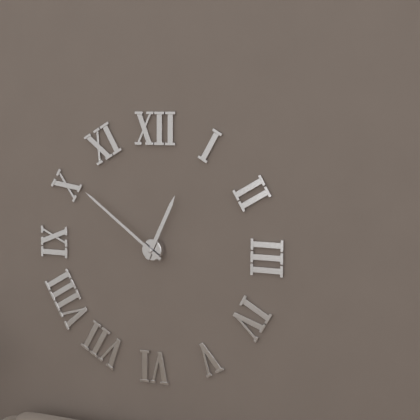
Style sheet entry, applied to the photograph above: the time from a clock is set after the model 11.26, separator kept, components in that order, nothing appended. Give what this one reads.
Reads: 12.51
